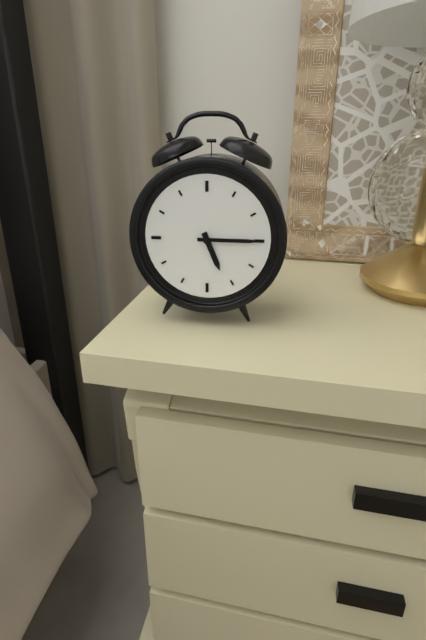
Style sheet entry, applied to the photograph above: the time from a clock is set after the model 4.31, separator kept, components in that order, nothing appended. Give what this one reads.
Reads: 5.15
